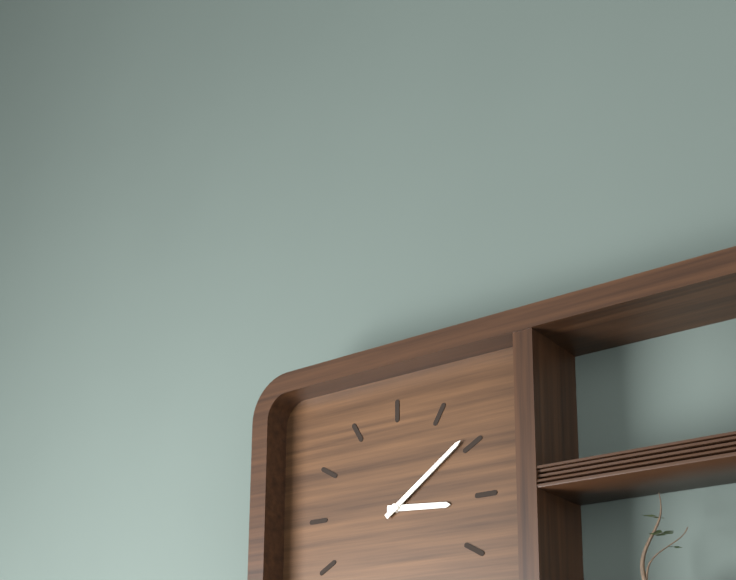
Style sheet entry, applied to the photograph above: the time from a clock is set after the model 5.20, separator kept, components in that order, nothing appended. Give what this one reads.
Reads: 3.09
